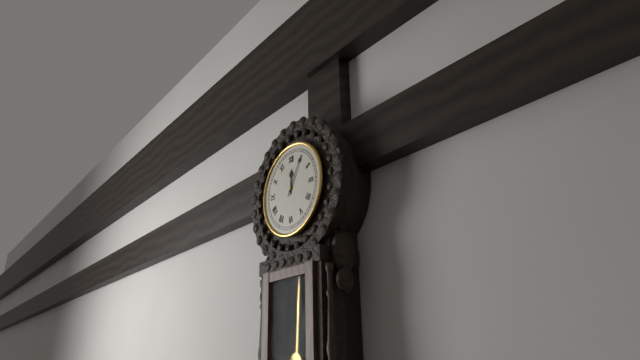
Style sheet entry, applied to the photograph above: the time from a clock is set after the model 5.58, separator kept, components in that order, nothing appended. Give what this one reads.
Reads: 12.05
